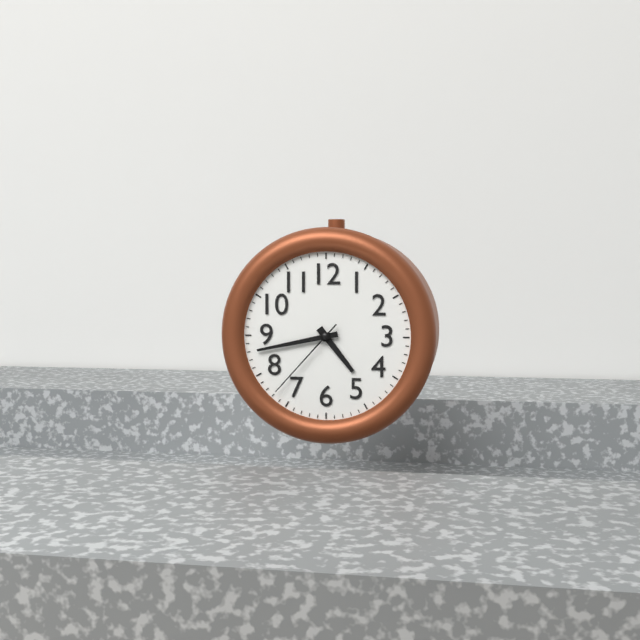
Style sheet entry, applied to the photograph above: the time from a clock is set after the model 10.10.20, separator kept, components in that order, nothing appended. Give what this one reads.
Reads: 4.43.37
